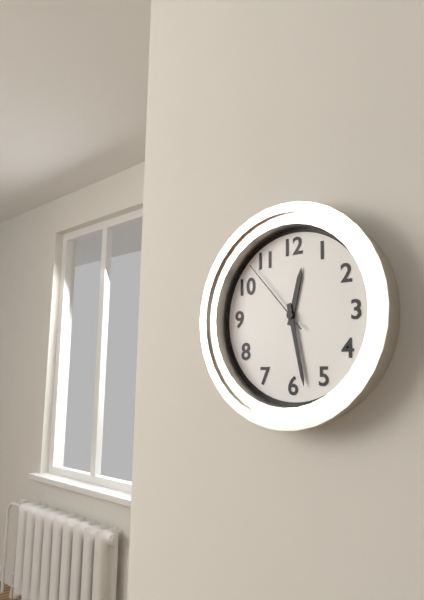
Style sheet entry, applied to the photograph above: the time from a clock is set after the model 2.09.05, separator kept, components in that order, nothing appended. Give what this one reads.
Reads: 12.28.53
